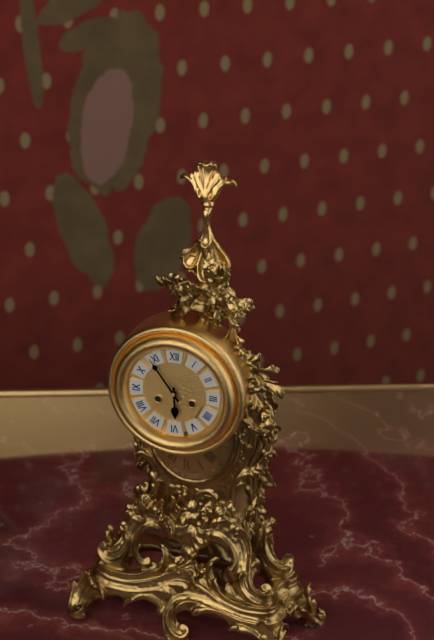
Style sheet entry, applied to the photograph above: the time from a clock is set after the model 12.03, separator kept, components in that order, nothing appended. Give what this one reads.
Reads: 5.54
